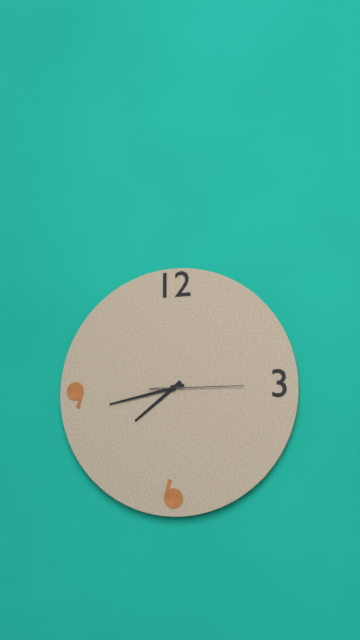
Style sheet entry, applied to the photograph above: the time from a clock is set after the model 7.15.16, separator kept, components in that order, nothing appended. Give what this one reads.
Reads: 7.43.15
